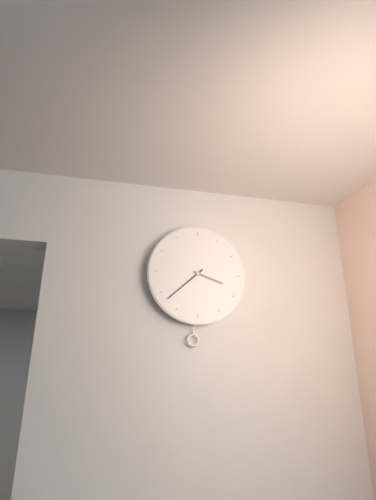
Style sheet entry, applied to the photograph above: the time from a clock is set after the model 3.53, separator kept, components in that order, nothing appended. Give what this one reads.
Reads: 3.38
